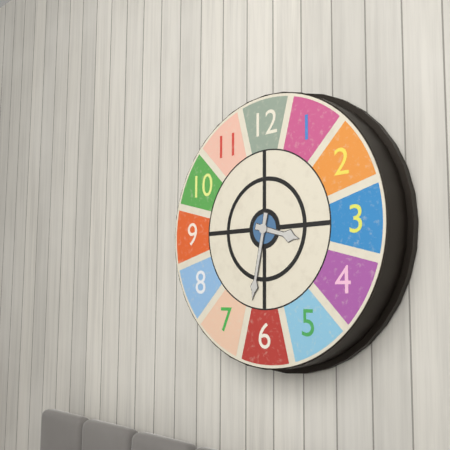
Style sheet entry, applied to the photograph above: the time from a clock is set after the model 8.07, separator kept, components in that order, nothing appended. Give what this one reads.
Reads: 3.32
